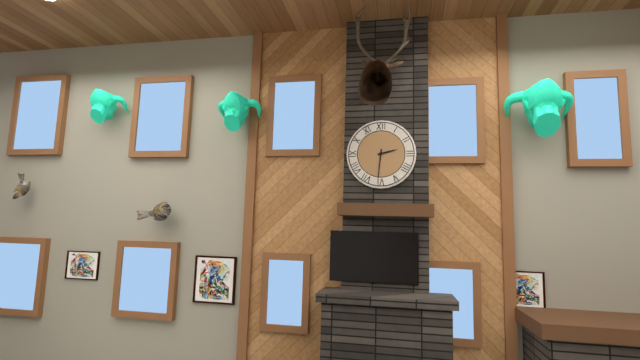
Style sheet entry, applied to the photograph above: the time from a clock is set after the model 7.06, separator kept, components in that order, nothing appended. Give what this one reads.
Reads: 2.31
